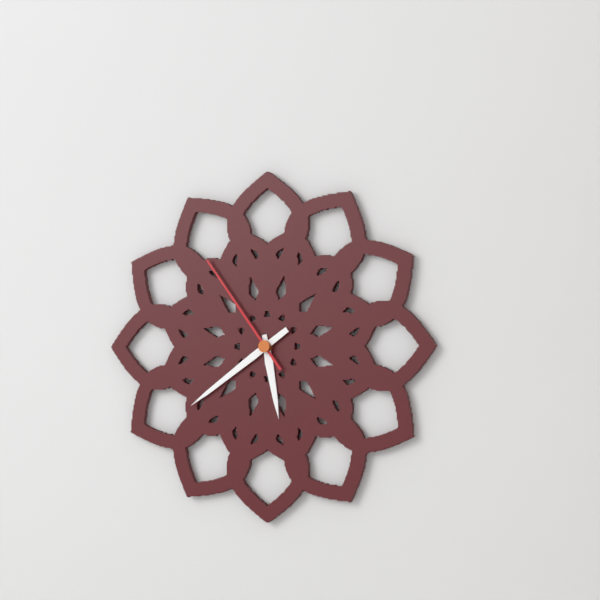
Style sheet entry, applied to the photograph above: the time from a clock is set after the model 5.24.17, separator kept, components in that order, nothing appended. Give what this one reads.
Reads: 5.39.54
